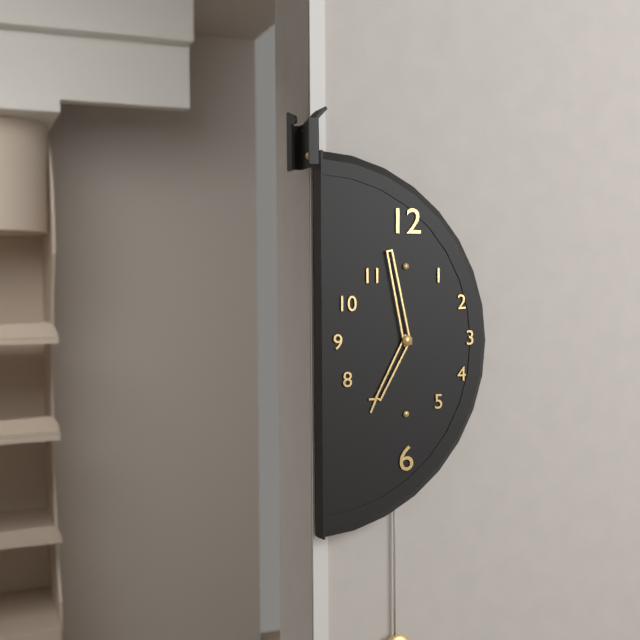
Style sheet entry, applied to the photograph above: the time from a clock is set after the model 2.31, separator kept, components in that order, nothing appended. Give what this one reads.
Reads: 6.58
